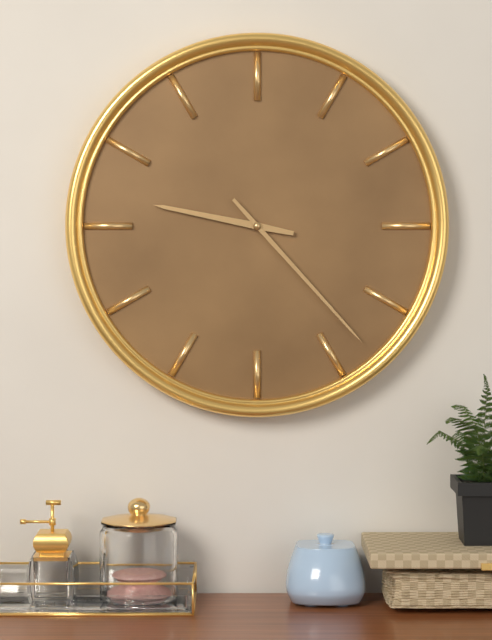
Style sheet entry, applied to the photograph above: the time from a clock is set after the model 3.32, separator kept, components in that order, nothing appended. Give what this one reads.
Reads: 9.23
